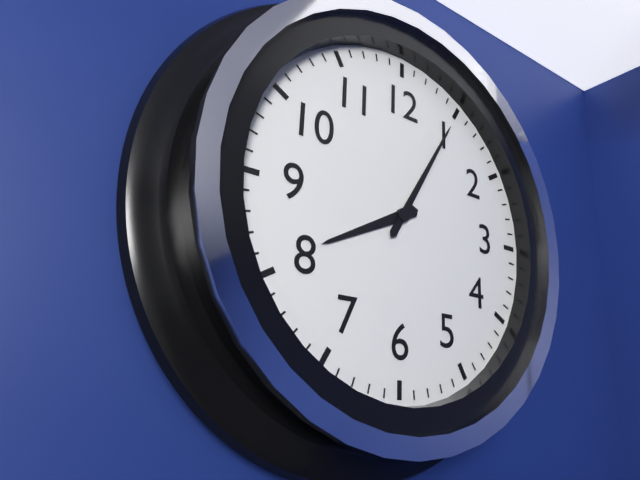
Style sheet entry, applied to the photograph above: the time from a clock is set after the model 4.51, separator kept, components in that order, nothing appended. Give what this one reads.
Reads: 8.05
